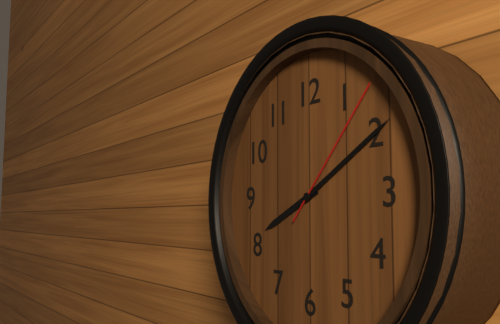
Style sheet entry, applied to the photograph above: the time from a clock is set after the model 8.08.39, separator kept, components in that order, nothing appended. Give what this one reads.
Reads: 8.10.07
